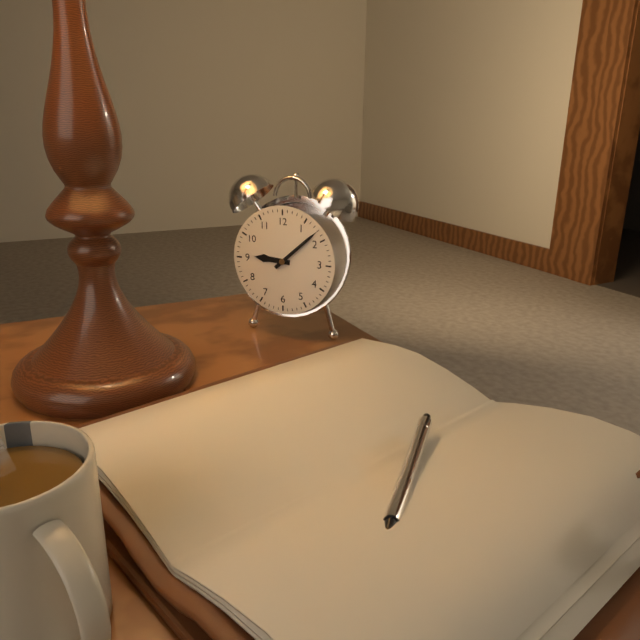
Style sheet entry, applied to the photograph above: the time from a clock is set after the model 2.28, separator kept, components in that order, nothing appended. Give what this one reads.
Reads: 9.08
